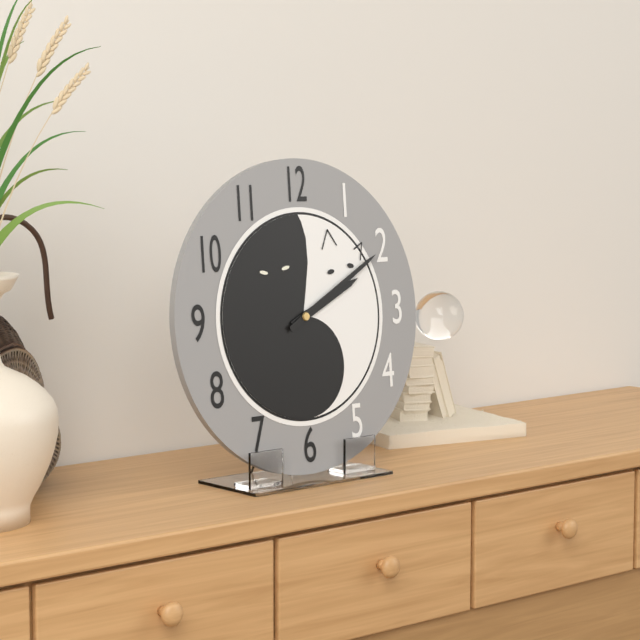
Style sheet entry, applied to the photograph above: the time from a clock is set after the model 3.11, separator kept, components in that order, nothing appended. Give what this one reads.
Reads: 2.10
